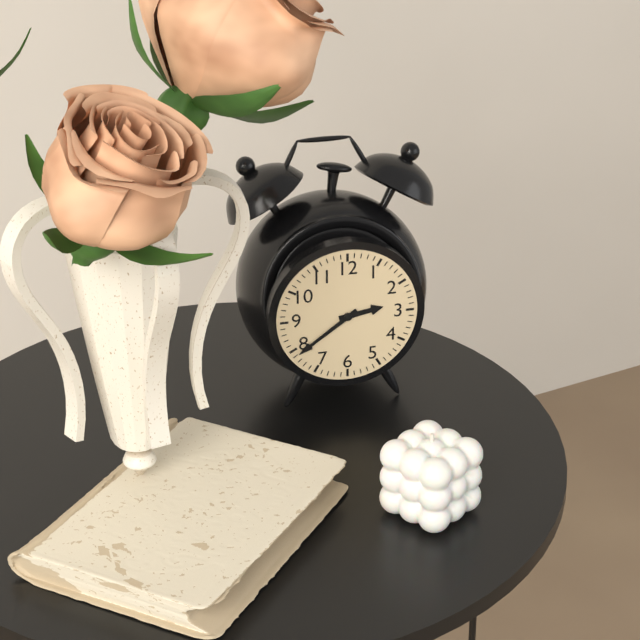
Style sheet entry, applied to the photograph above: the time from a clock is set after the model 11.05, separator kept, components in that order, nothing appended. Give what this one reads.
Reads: 2.39
